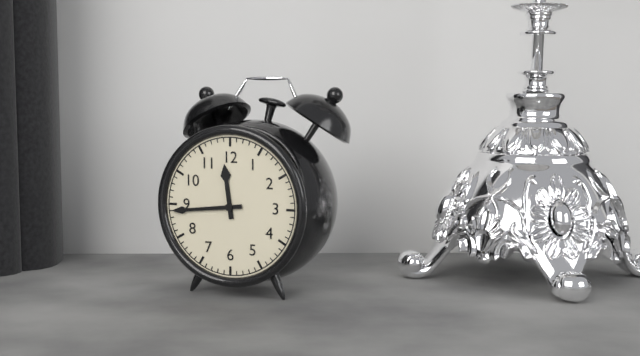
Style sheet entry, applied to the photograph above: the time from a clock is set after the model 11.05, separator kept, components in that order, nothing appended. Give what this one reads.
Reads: 11.44
